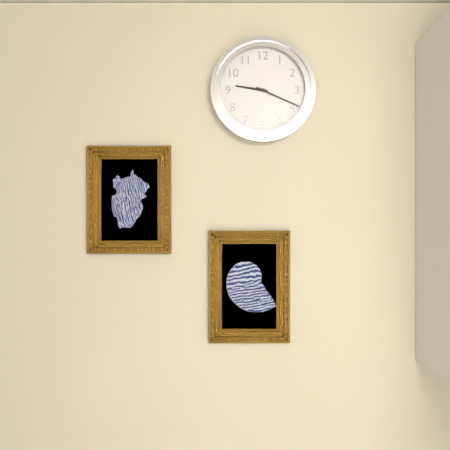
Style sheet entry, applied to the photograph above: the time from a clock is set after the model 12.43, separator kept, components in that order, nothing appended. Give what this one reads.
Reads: 9.19
